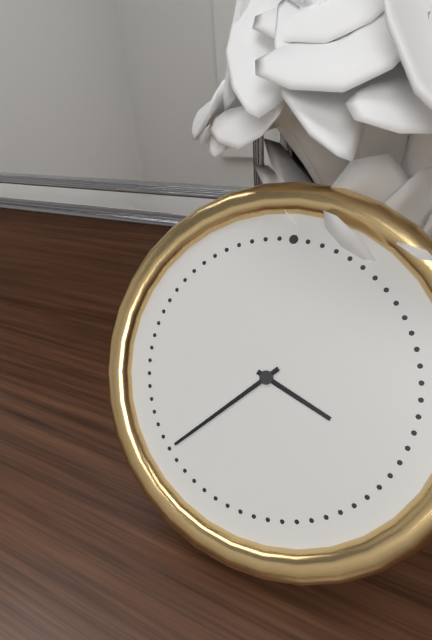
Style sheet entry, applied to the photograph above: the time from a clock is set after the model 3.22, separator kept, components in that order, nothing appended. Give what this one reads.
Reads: 3.37
